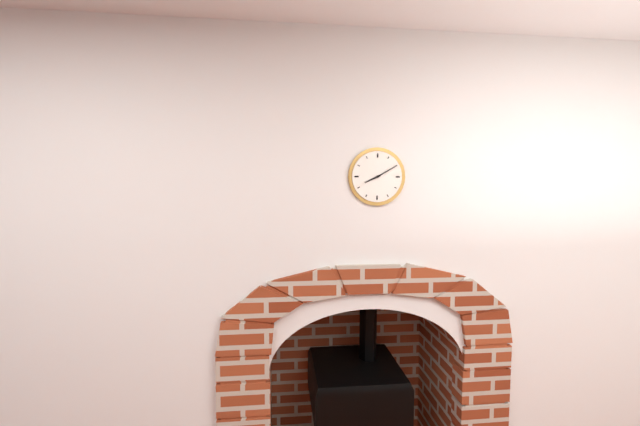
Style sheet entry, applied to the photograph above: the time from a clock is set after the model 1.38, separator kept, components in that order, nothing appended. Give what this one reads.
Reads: 8.10
